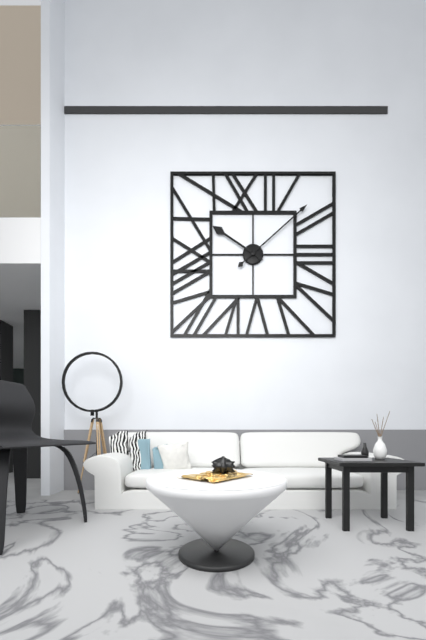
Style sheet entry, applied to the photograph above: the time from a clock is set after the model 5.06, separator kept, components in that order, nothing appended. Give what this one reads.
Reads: 10.08
